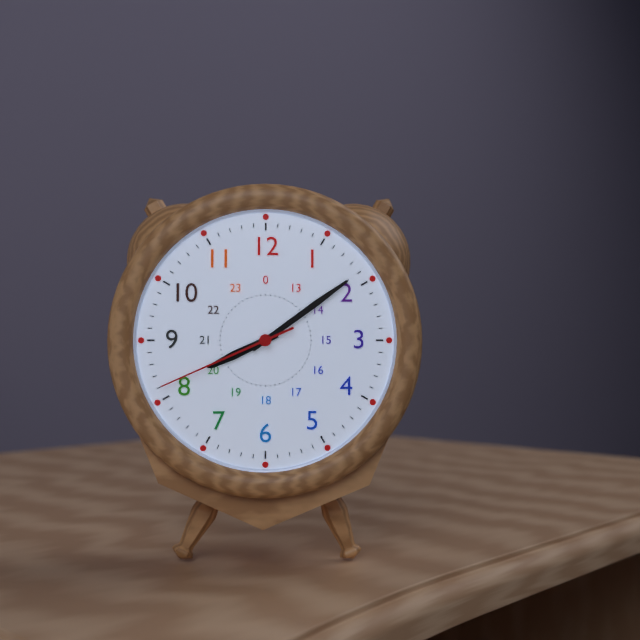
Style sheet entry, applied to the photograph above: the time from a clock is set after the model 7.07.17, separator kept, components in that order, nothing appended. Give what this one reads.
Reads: 8.09.41
